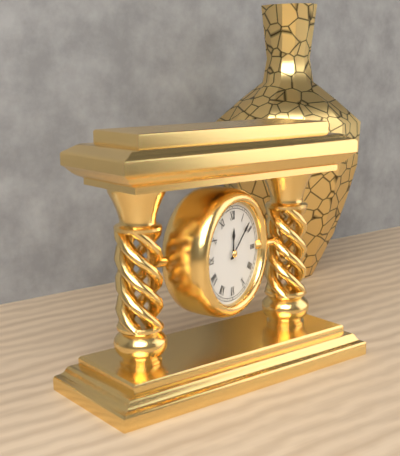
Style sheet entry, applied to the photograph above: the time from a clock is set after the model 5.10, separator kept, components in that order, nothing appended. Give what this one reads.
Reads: 12.08
